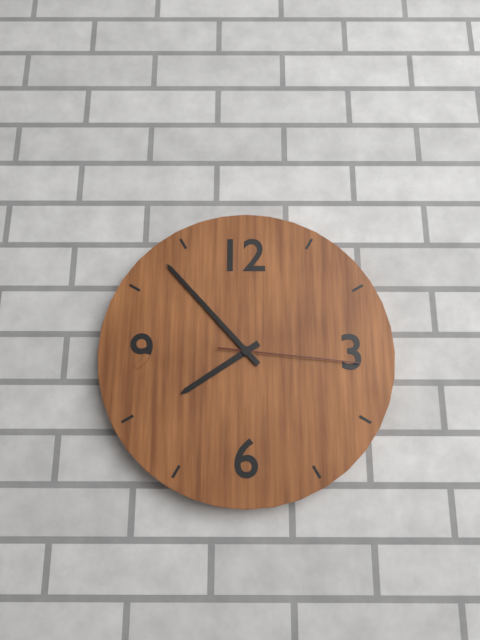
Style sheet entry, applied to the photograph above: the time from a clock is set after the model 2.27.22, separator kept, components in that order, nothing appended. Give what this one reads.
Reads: 7.53.16
